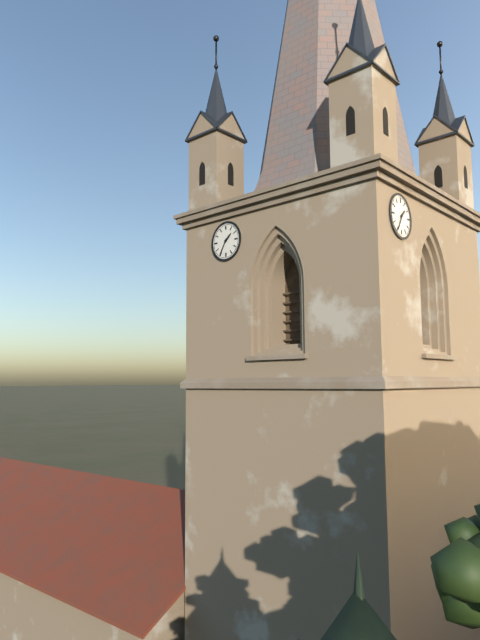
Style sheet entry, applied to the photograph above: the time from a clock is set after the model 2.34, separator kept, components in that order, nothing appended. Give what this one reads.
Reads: 1.35
